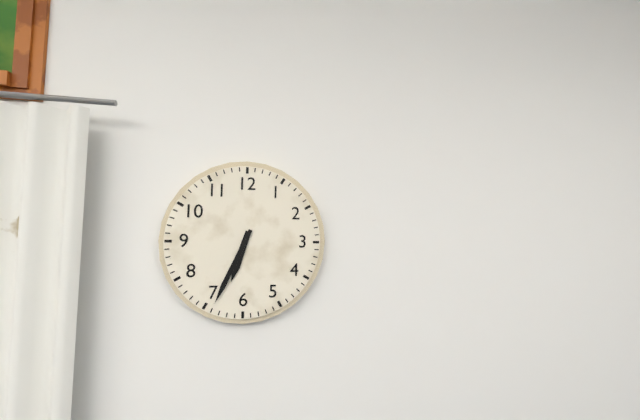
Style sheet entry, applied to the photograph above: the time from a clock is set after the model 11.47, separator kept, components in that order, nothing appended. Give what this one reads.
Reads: 6.34
